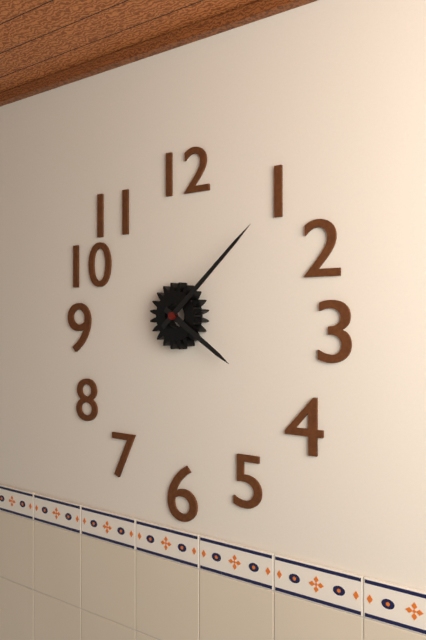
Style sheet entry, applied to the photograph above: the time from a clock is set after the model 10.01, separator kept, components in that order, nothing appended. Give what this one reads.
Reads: 4.08
